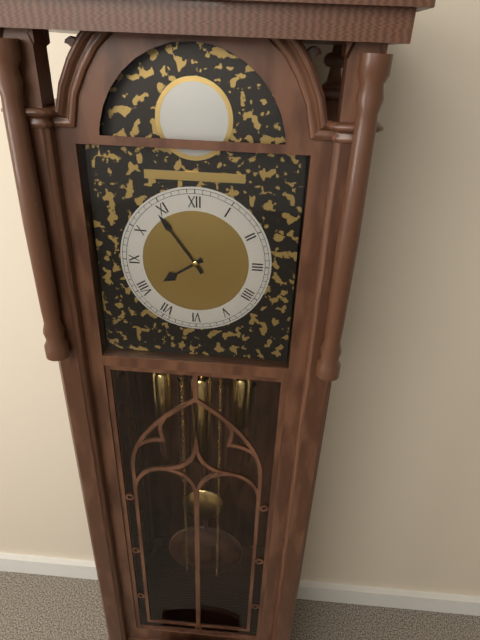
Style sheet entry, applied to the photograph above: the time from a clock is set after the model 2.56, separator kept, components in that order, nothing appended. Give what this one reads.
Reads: 7.54
